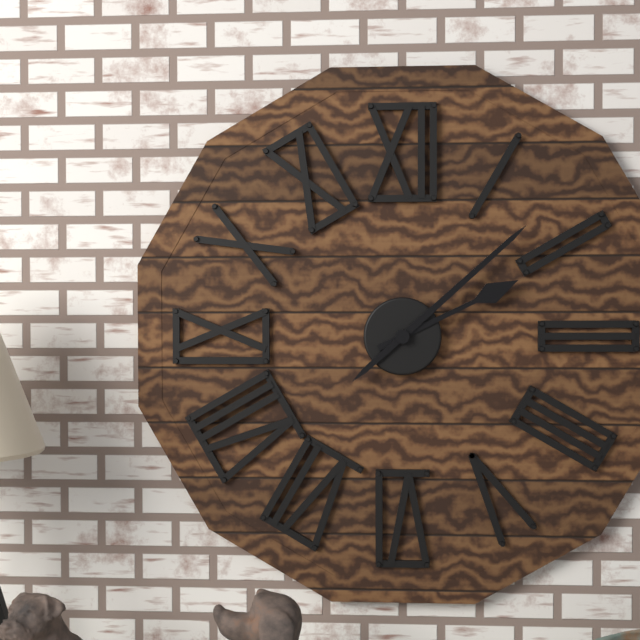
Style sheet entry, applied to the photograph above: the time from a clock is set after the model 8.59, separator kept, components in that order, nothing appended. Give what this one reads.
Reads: 2.08
